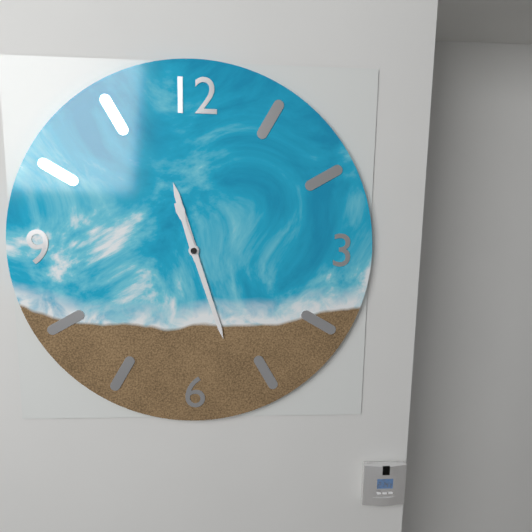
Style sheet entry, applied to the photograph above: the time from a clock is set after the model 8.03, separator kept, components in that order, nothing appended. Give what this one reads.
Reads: 11.27
